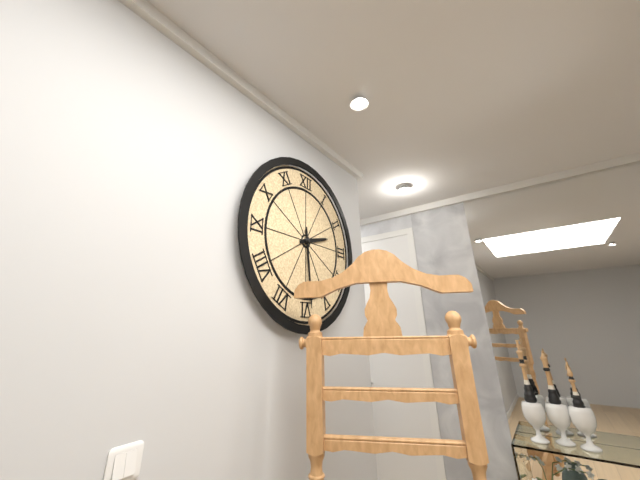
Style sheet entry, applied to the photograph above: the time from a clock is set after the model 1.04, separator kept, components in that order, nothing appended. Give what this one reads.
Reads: 2.29
